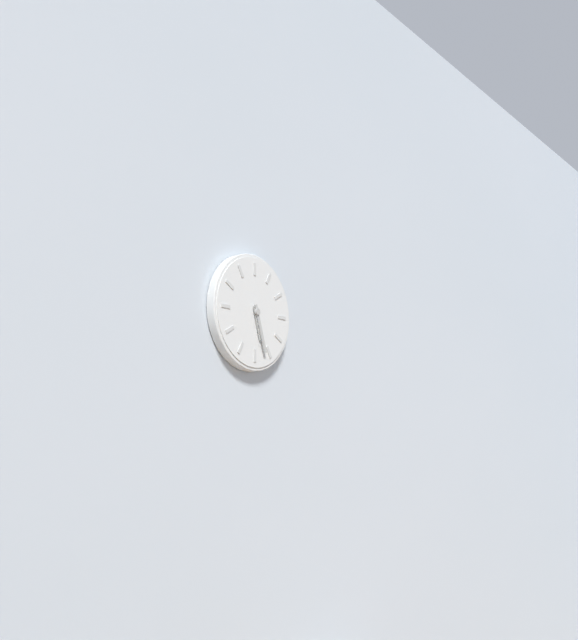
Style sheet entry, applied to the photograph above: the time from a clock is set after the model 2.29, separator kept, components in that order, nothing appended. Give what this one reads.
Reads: 5.27
